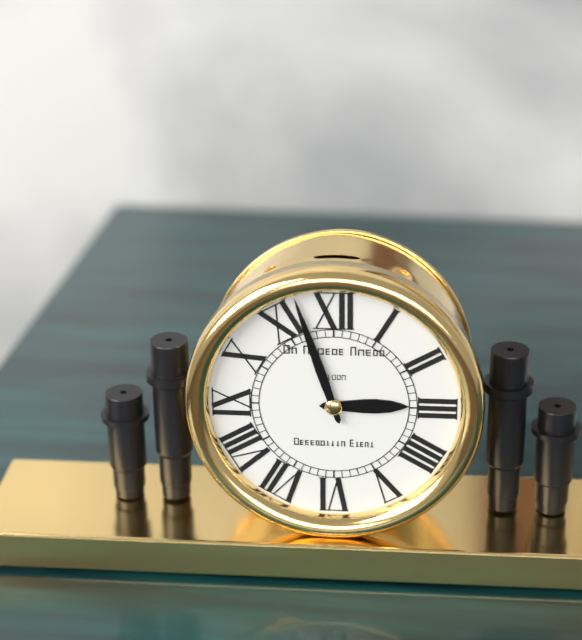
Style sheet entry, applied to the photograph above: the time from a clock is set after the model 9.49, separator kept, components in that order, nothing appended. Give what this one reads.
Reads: 2.57
